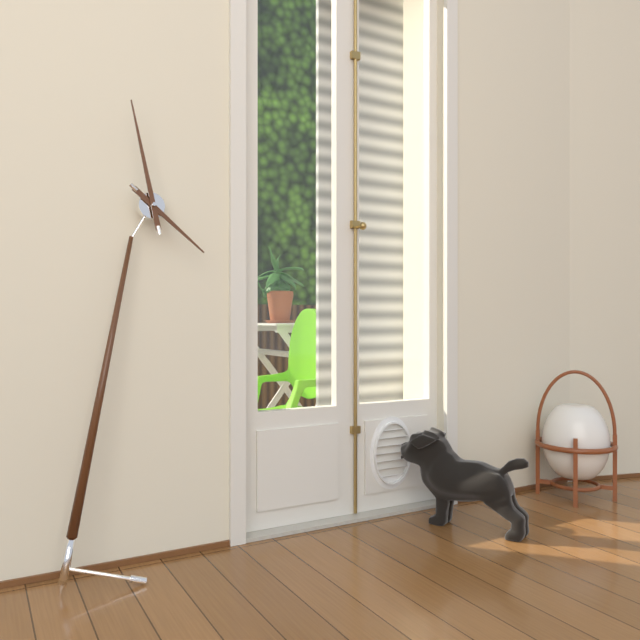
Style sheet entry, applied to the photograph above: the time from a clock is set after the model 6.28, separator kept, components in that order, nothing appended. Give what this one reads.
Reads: 3.56
